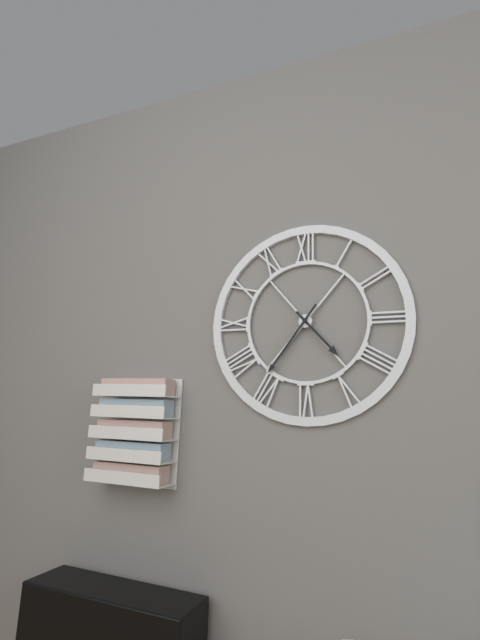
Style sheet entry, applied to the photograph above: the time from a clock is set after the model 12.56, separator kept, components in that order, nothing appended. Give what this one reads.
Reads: 4.36
